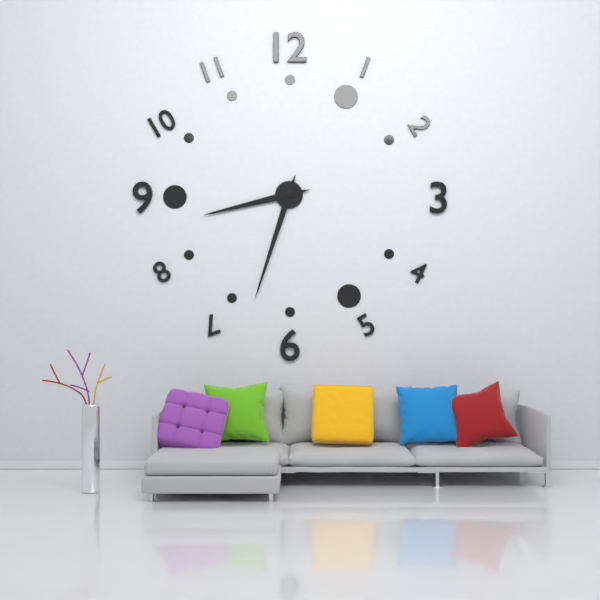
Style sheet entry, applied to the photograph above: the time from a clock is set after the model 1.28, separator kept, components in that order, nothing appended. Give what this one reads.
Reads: 8.33
